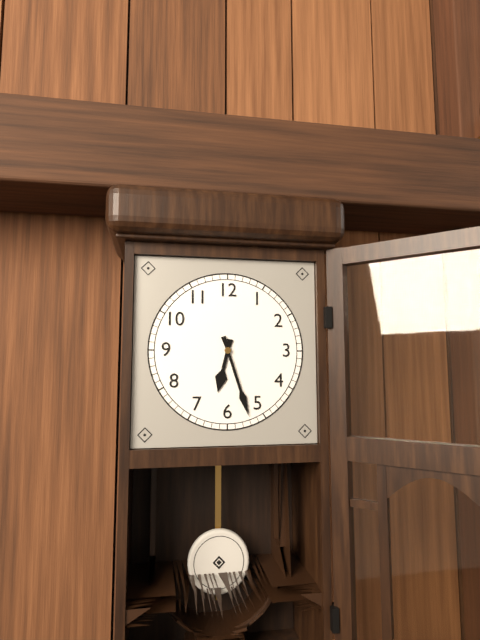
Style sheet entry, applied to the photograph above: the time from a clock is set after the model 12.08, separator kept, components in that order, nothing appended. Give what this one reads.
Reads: 6.27
